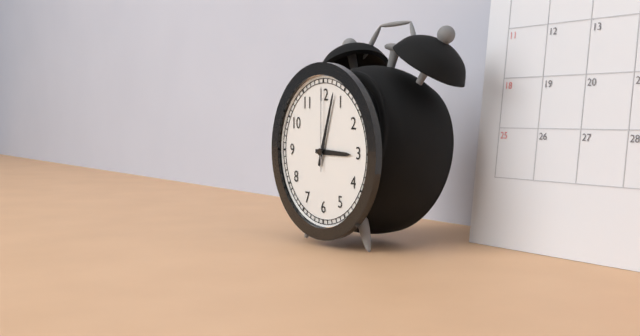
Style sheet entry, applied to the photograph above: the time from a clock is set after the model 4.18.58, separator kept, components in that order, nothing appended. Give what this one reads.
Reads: 3.03.00
